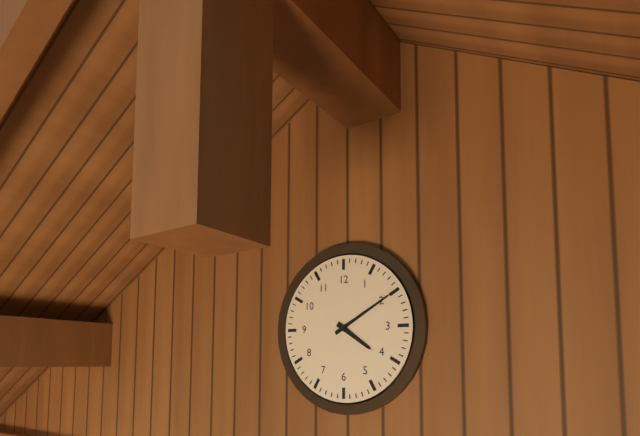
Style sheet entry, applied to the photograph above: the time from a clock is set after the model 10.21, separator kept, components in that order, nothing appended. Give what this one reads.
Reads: 4.10
